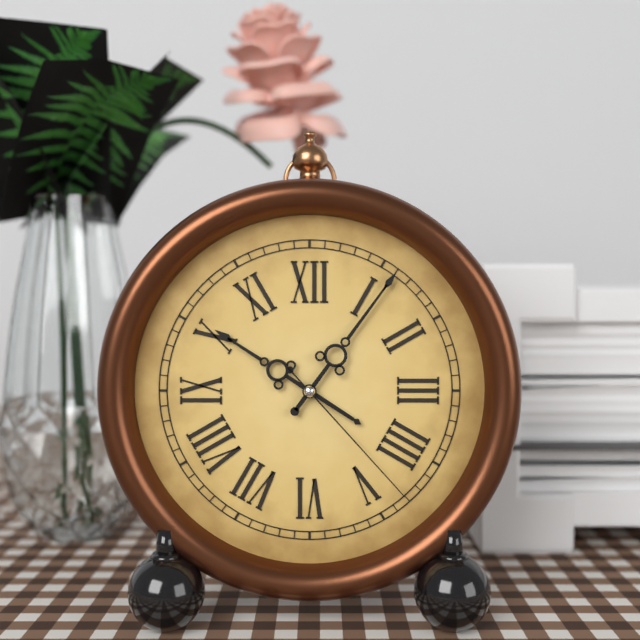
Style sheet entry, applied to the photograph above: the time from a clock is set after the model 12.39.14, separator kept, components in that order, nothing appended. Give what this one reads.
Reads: 10.06.23
